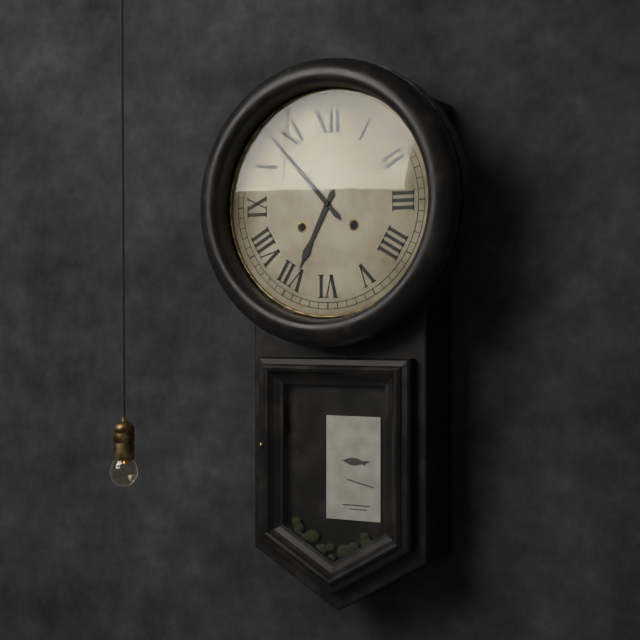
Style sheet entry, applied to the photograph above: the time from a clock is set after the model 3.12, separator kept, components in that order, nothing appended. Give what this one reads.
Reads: 6.53
